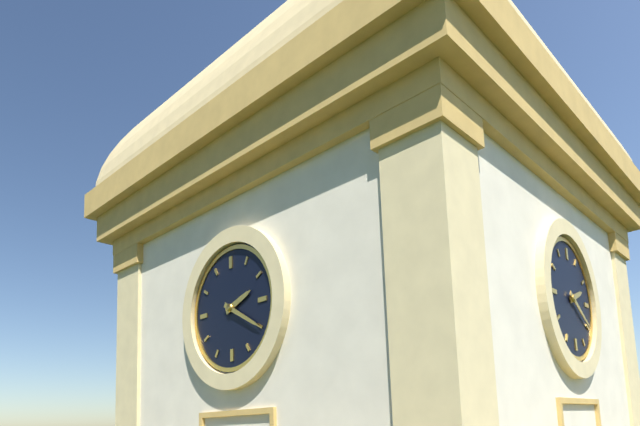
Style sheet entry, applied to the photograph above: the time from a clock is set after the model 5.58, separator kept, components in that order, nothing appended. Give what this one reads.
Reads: 2.20
